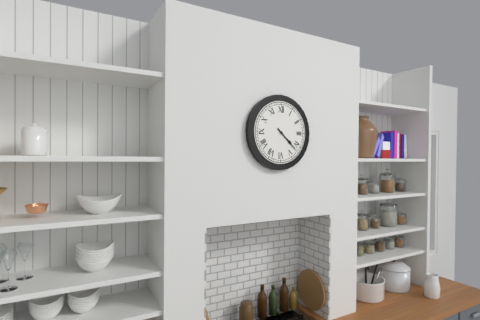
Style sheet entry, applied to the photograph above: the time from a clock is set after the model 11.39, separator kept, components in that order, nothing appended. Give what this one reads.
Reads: 4.22
